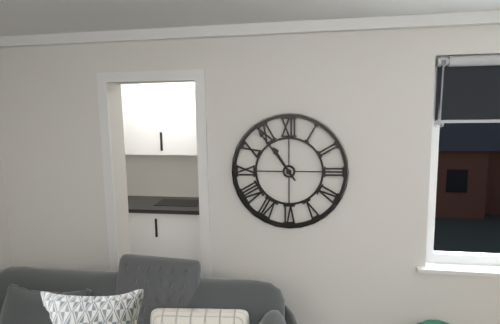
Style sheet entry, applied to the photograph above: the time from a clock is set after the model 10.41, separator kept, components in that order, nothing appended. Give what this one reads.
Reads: 10.54
